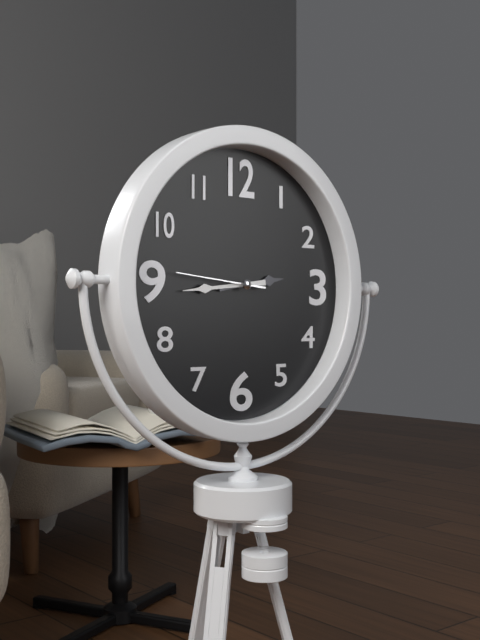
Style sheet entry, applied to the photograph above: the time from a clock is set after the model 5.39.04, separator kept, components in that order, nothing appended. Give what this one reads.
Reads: 2.44.46
